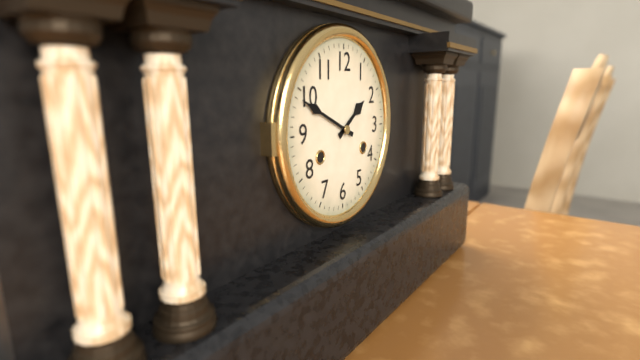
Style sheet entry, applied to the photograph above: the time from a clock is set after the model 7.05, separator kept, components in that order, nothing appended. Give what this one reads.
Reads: 1.49
